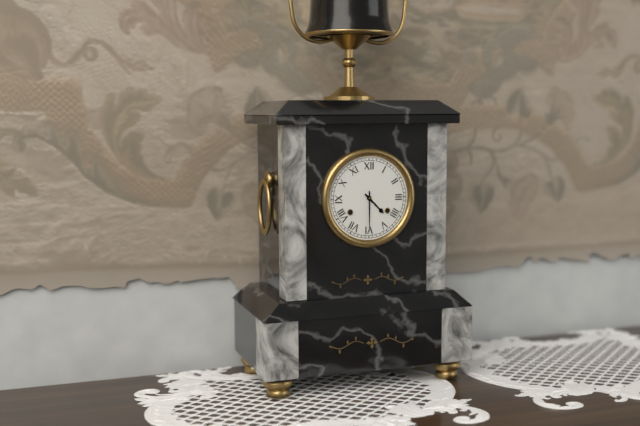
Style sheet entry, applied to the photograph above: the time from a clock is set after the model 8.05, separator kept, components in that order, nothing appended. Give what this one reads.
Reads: 4.30
